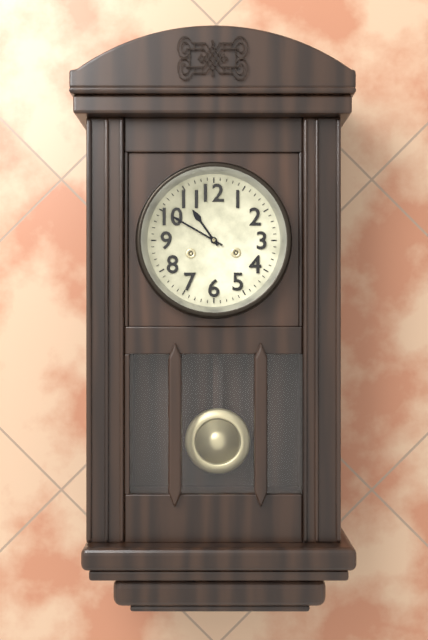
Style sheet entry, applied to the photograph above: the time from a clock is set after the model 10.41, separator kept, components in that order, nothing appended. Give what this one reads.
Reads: 10.50
